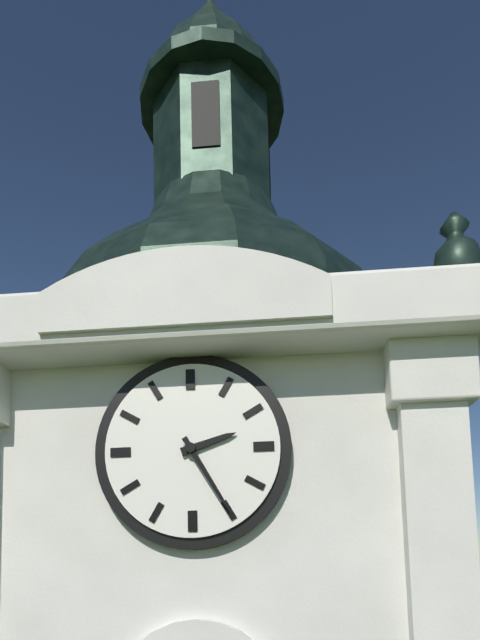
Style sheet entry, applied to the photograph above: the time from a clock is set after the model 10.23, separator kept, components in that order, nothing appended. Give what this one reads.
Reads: 2.25
